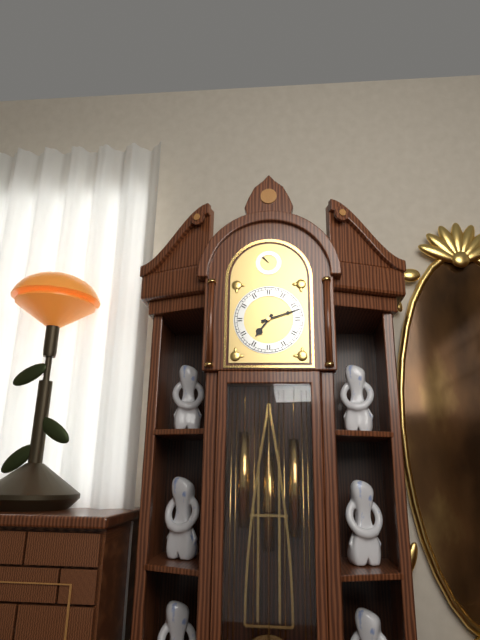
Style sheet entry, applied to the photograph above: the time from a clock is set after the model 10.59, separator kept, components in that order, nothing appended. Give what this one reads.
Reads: 7.12
